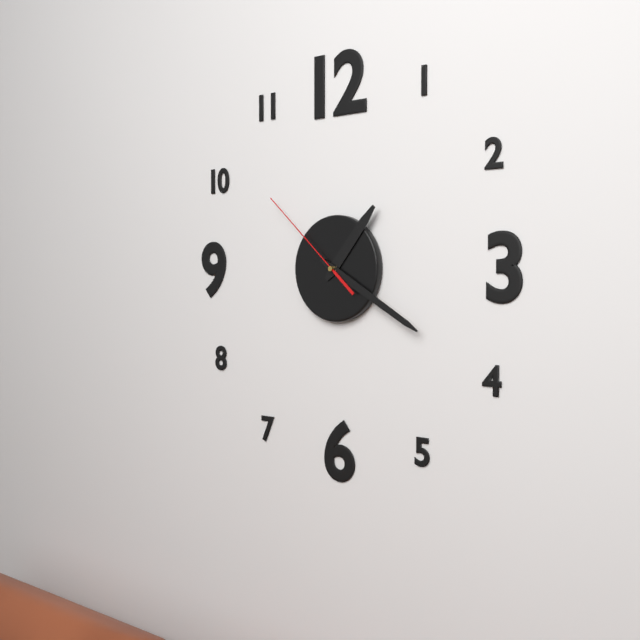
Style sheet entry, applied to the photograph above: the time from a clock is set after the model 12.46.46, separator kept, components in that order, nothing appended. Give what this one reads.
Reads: 1.20.52
